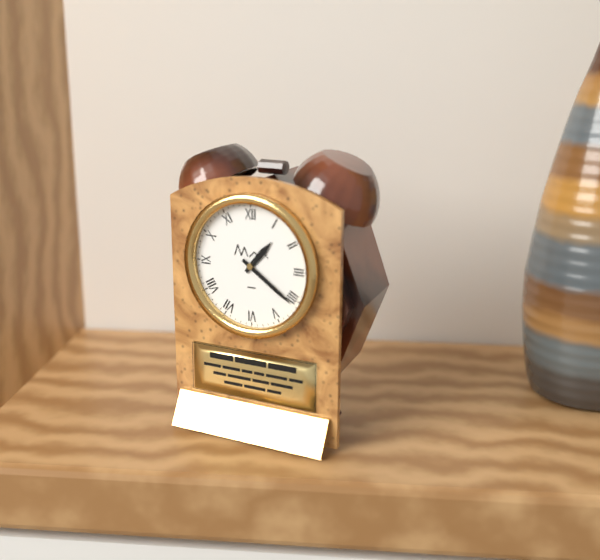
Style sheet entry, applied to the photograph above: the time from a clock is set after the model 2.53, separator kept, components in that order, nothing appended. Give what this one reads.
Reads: 1.21
